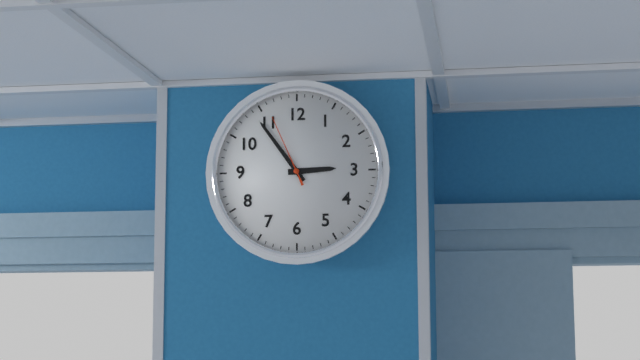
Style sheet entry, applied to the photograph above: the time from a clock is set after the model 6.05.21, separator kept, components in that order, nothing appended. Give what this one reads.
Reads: 2.54.56
